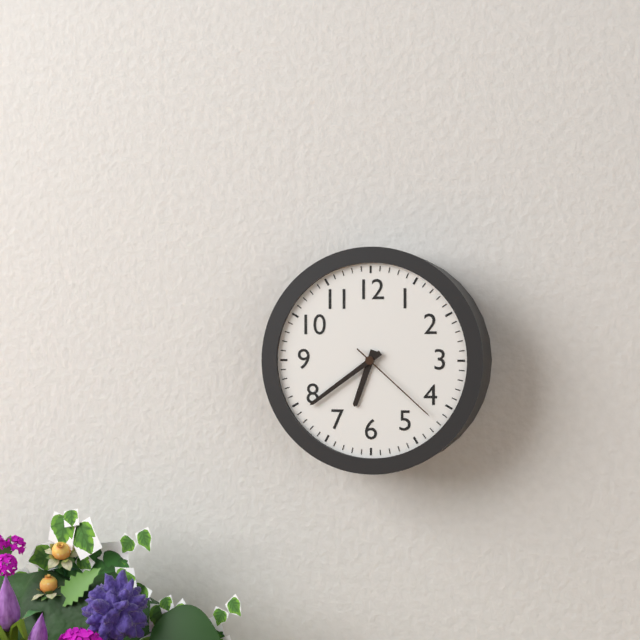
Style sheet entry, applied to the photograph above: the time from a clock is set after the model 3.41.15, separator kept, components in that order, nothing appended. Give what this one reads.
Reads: 6.39.22
